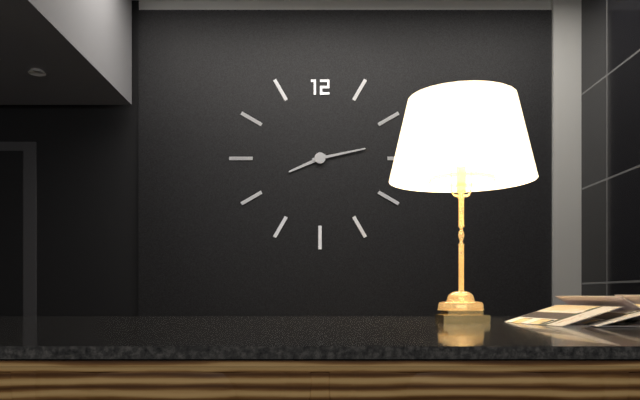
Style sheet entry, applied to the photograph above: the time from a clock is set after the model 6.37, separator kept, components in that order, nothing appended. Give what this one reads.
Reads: 8.13
